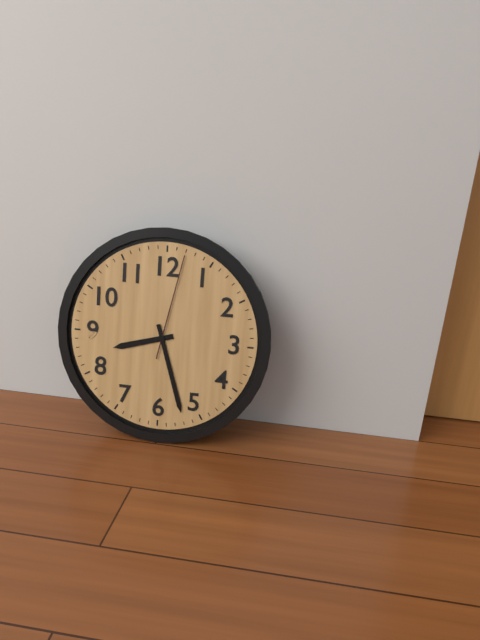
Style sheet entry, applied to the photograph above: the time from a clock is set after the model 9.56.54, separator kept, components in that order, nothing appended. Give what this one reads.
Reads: 8.27.02
